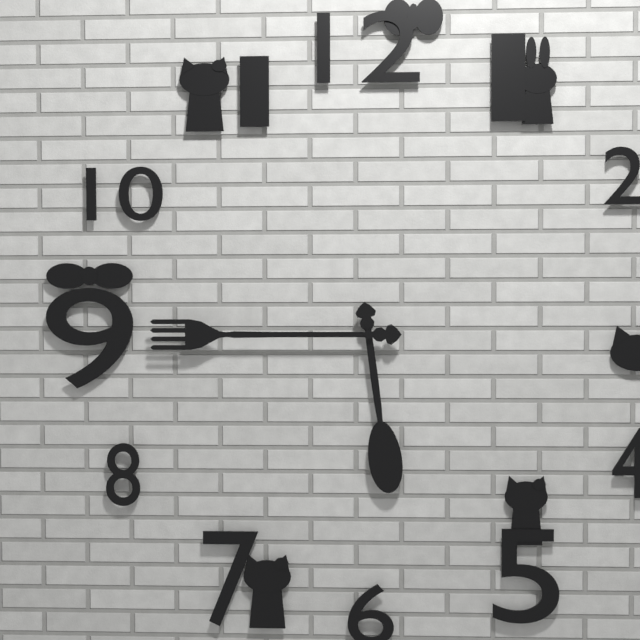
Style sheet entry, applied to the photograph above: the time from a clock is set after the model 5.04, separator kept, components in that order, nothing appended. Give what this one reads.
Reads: 5.45
